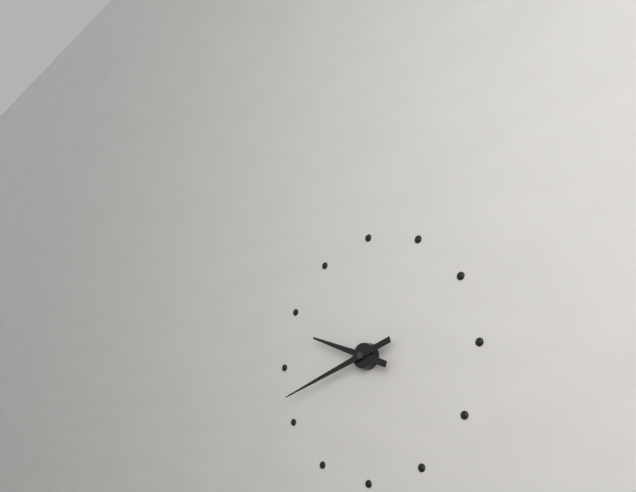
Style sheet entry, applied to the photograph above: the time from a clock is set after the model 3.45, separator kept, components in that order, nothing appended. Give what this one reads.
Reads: 9.42
